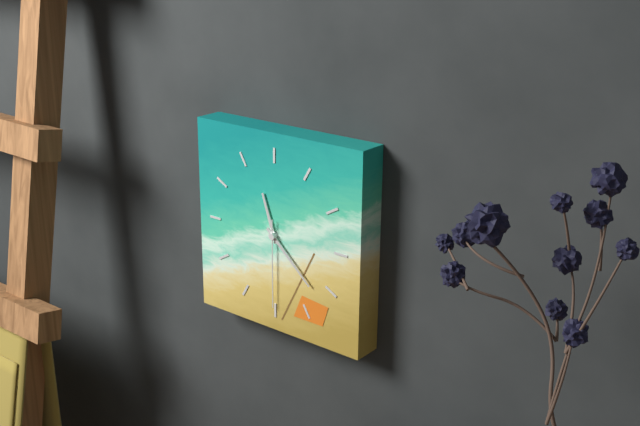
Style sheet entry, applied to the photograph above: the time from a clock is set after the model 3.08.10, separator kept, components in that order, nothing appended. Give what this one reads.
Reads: 11.22.30
